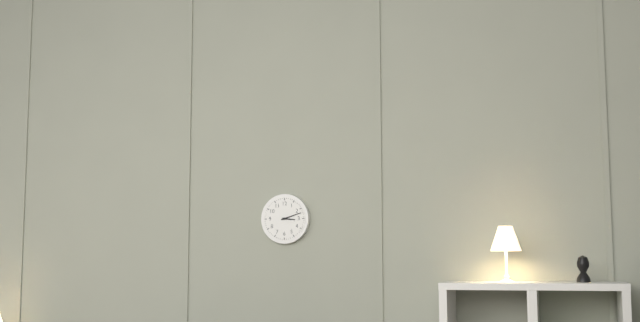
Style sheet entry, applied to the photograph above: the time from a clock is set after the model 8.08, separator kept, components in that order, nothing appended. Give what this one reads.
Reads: 3.12
